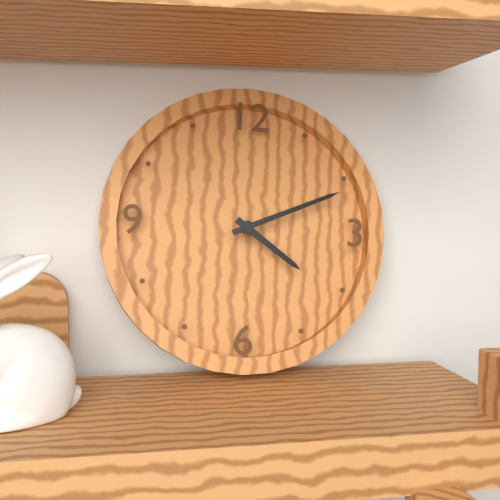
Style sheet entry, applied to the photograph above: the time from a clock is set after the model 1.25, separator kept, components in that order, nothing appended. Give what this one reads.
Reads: 4.11
